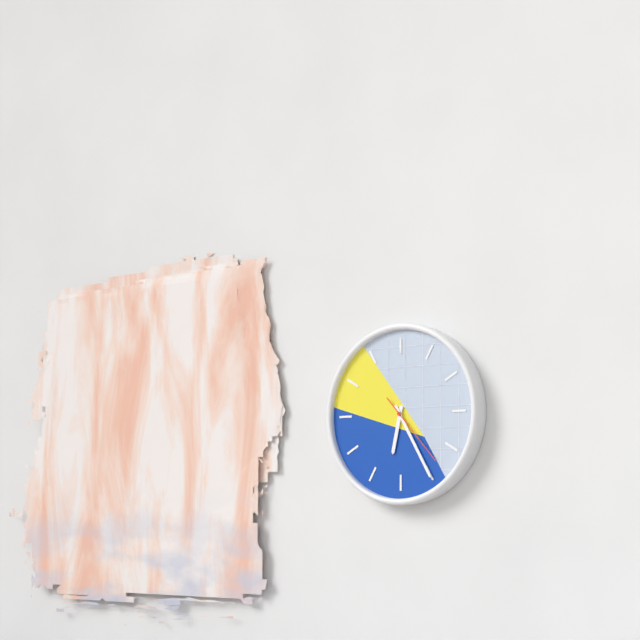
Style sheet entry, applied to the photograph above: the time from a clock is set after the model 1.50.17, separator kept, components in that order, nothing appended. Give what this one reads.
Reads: 6.25.23
